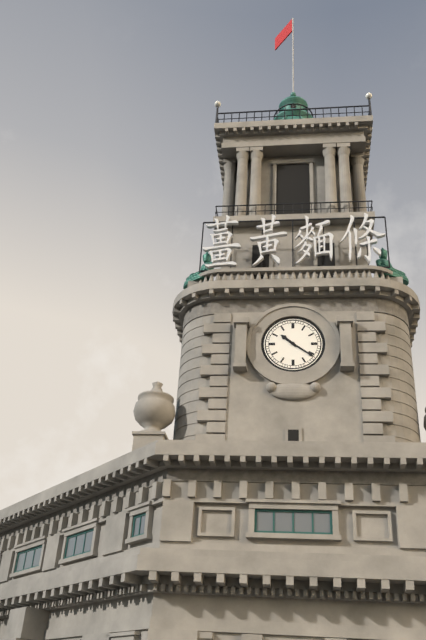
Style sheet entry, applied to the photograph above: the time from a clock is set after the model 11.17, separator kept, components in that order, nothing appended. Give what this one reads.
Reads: 10.21
